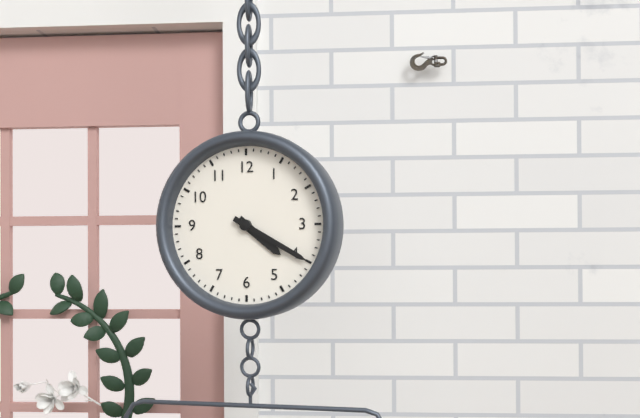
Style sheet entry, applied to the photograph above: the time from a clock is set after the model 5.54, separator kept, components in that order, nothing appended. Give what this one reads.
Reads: 4.20
